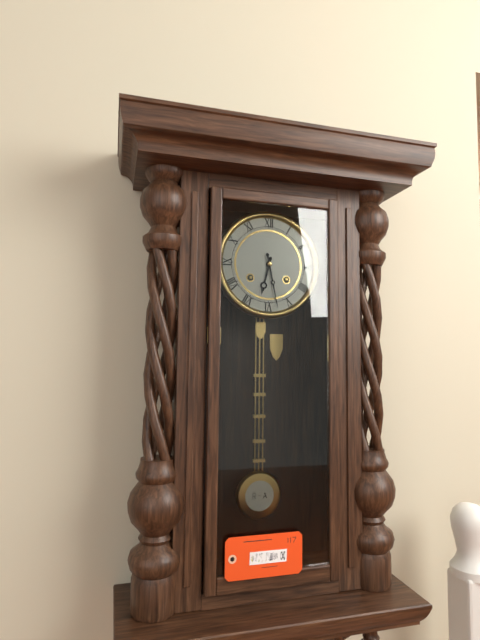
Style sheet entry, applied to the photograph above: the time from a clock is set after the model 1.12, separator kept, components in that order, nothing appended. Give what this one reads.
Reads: 6.28
